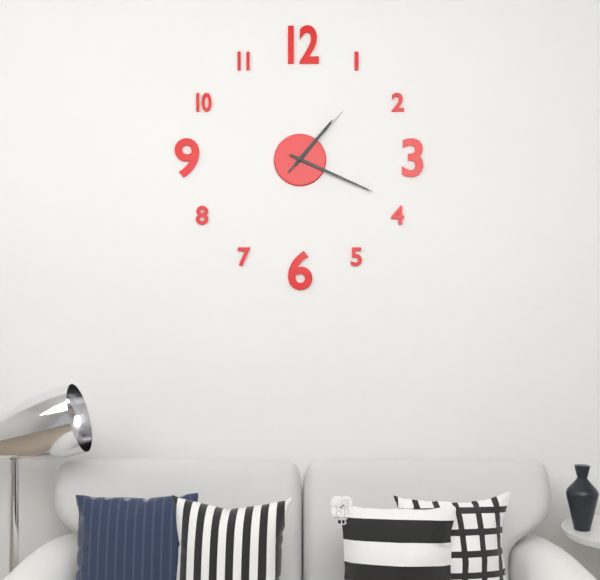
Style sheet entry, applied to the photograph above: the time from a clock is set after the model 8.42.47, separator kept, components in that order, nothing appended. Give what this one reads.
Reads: 1.19.07
